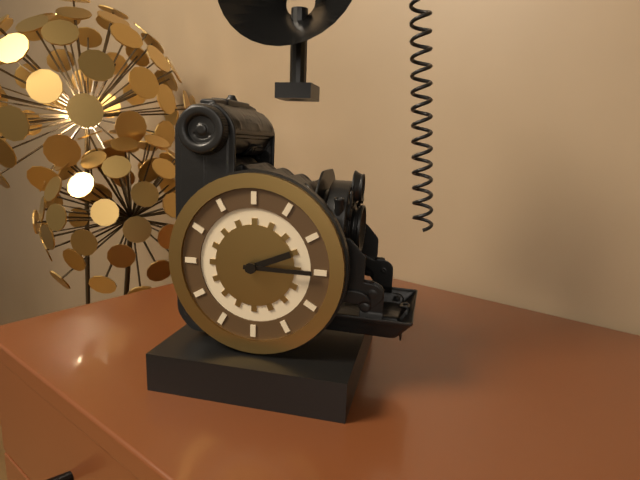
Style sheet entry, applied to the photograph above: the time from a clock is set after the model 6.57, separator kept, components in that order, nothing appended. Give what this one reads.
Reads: 2.15
